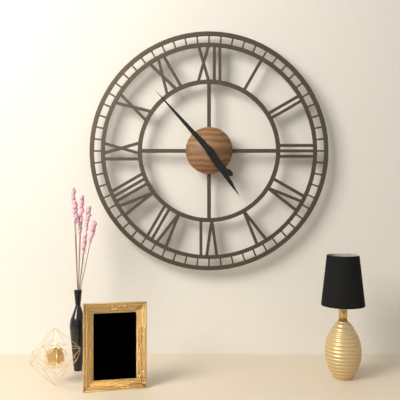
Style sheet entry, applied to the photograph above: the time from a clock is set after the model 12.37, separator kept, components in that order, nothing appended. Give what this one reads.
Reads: 4.53
